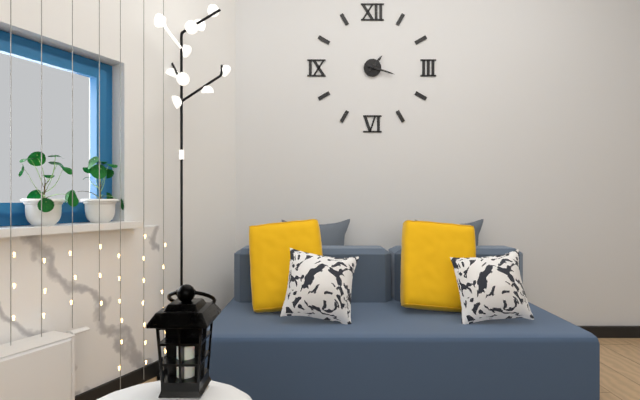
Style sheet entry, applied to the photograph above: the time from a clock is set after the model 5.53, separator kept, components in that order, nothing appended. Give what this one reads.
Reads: 1.18
